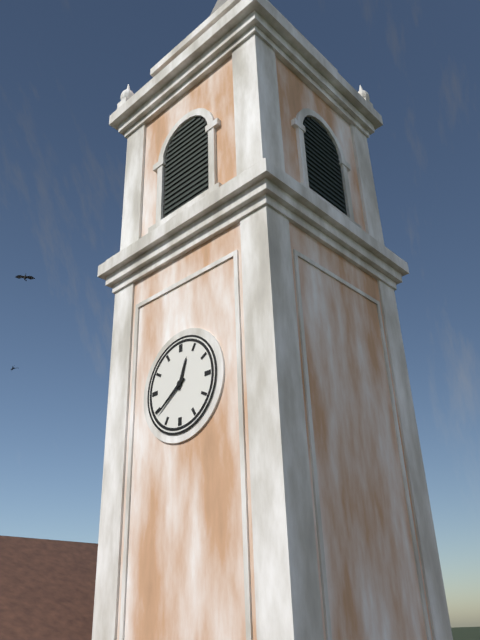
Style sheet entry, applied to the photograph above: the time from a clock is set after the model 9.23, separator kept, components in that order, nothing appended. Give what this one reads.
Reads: 12.39
